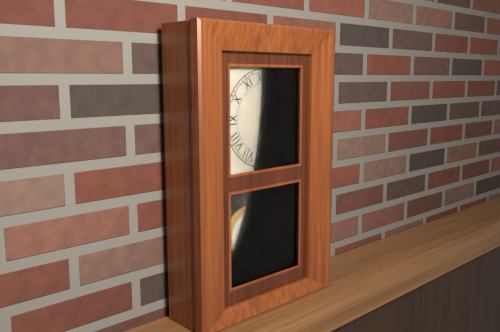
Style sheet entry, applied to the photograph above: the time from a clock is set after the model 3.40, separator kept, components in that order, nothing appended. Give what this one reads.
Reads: 2.30
